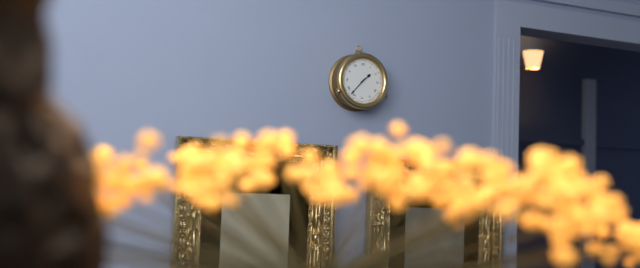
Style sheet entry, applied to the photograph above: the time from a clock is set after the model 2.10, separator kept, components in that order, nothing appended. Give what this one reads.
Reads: 1.37
